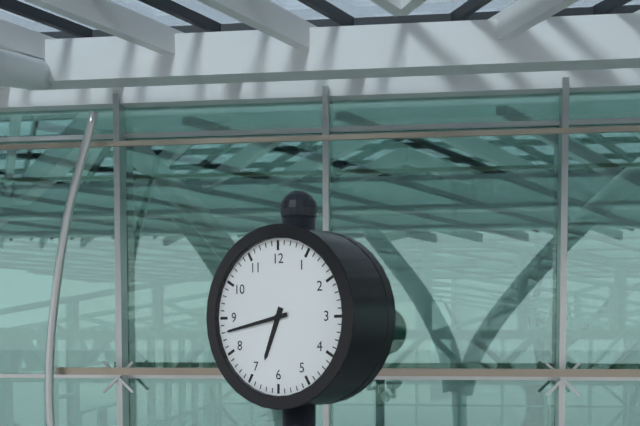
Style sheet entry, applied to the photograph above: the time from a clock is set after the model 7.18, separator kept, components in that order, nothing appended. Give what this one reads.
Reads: 6.43
